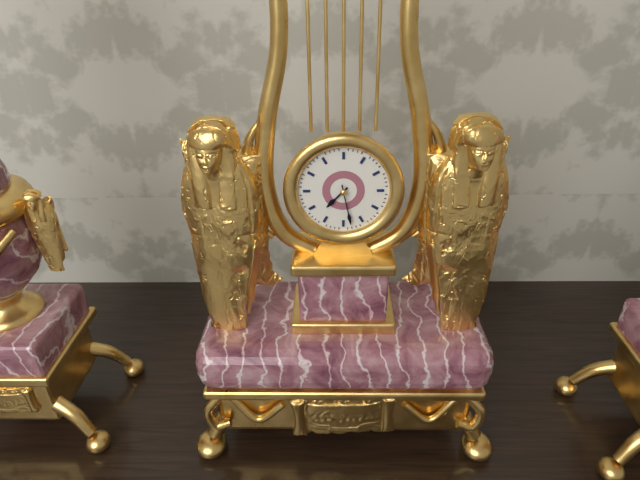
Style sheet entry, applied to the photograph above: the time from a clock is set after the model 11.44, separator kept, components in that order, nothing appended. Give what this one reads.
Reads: 7.28
